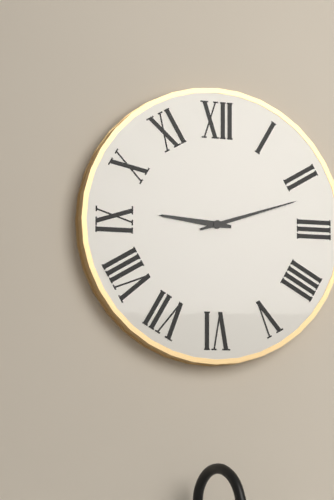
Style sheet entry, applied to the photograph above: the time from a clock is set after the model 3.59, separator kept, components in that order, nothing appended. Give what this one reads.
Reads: 9.12
